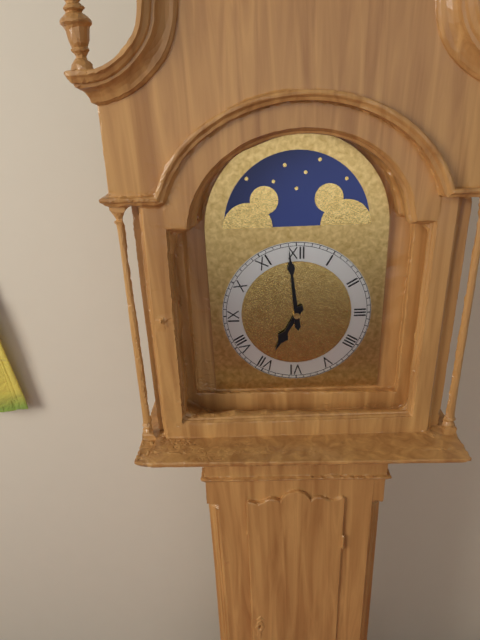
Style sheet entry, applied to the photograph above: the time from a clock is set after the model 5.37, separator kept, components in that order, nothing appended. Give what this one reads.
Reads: 6.59
